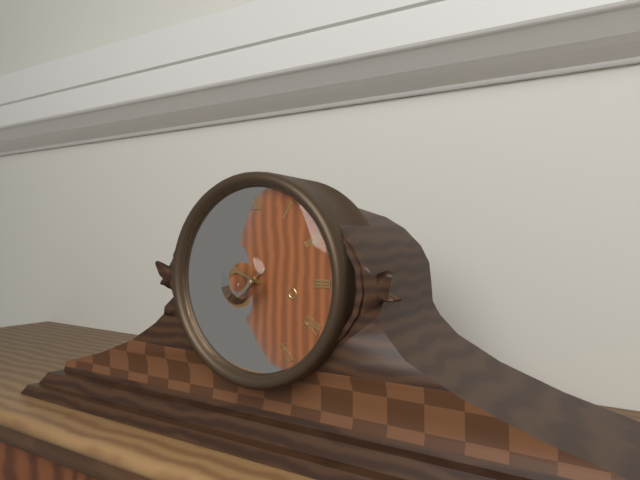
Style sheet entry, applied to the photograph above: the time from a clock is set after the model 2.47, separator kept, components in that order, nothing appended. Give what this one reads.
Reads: 9.38
